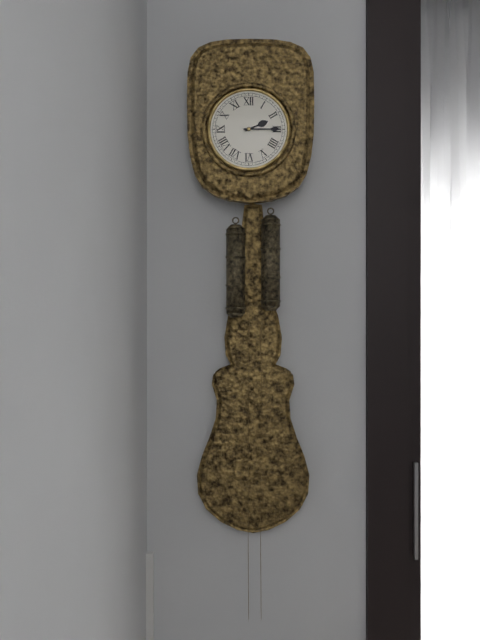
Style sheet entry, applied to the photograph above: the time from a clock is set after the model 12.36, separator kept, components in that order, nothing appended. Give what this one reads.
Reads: 2.15
